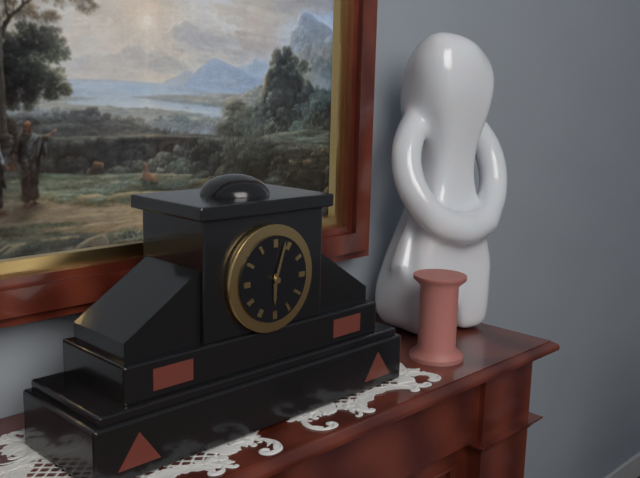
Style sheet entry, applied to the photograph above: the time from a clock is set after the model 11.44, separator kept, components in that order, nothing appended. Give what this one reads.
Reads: 6.03
